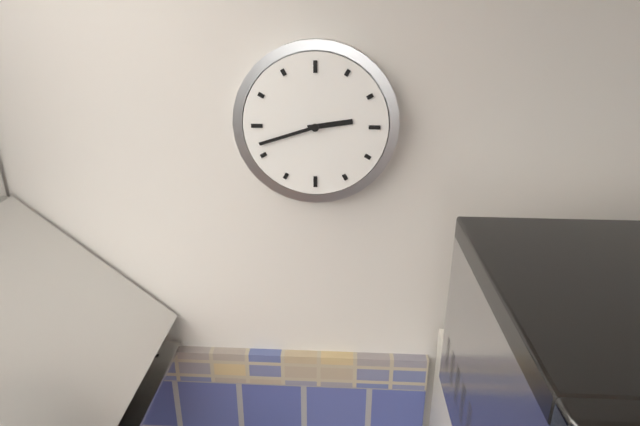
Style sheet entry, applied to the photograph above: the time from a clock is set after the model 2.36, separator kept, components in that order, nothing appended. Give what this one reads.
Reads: 2.42
